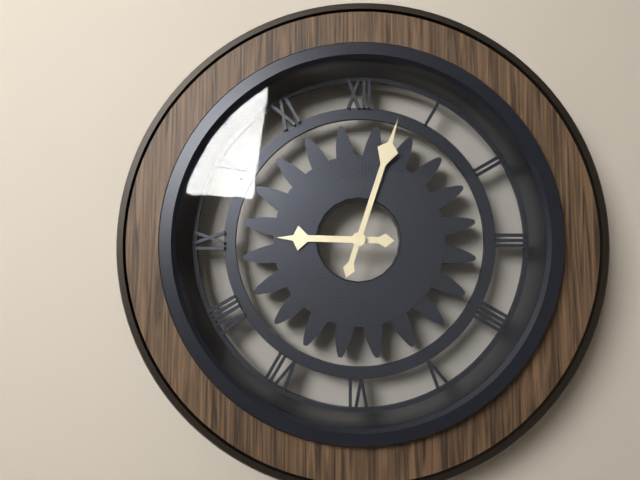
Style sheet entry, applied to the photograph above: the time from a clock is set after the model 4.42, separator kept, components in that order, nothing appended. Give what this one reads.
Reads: 9.03
